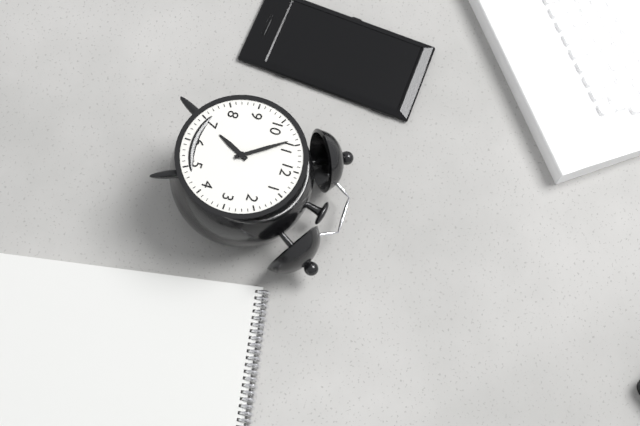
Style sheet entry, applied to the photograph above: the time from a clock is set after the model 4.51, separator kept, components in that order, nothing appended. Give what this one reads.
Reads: 6.54
